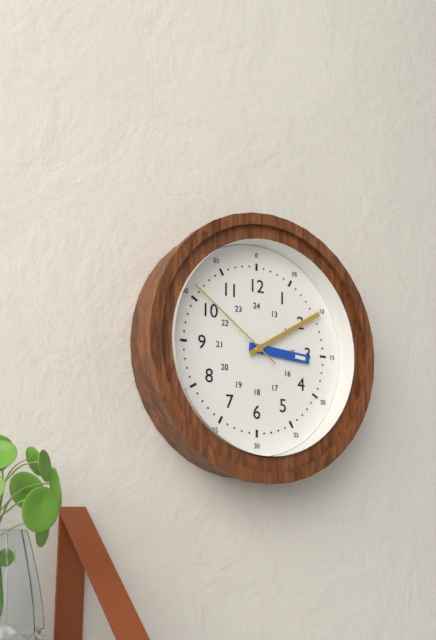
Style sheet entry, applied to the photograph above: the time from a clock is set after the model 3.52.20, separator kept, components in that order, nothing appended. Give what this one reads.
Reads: 3.10.51
